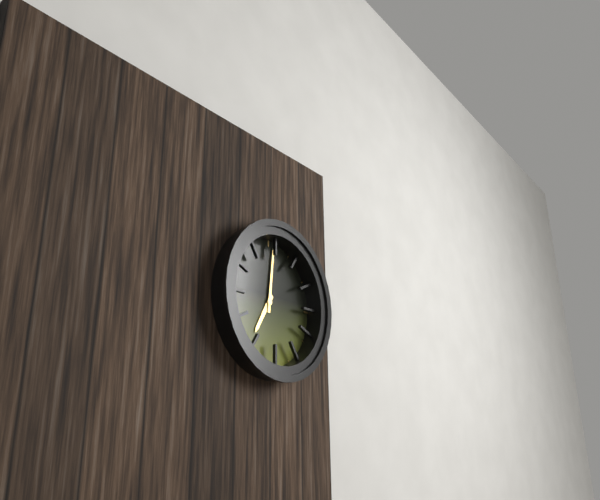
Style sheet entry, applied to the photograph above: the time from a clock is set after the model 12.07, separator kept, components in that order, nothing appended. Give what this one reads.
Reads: 7.01
